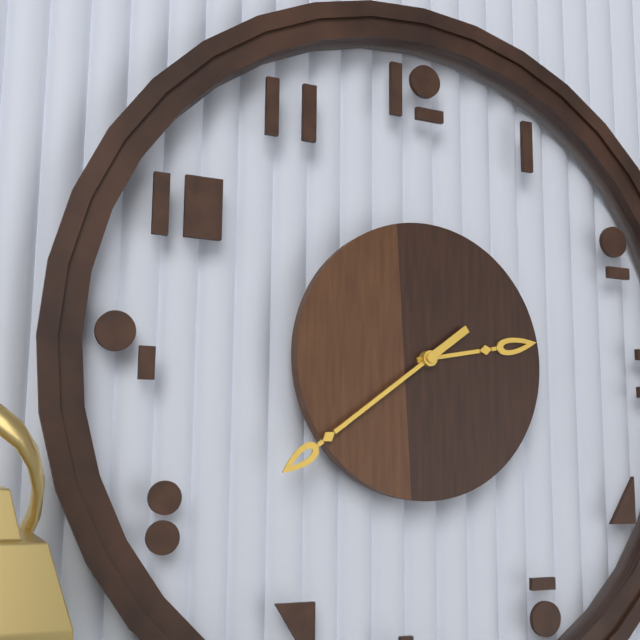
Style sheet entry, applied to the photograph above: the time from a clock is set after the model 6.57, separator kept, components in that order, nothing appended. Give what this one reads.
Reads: 2.39
